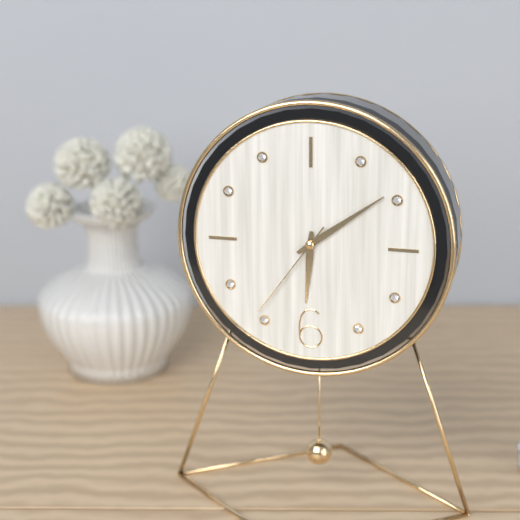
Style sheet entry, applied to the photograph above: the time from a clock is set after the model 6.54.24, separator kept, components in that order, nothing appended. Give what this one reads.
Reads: 6.09.36
